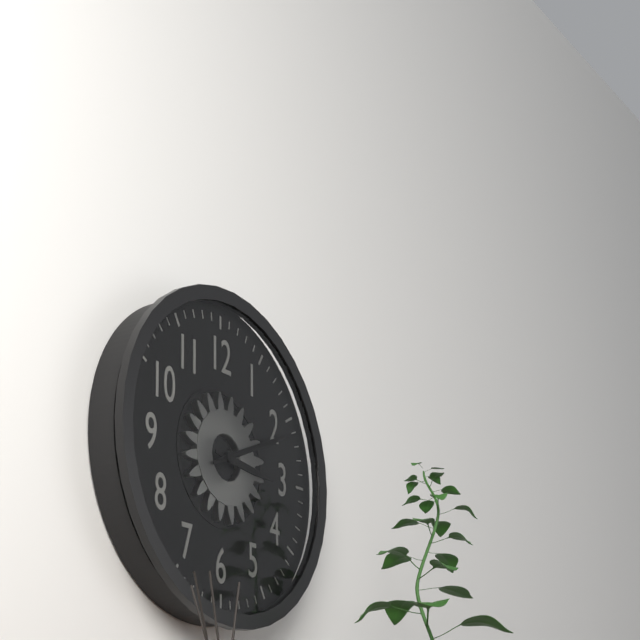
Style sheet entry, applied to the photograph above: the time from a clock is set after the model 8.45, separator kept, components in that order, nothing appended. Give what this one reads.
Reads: 3.11
